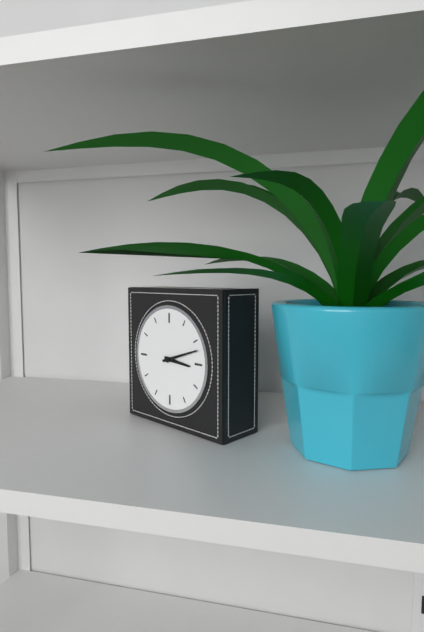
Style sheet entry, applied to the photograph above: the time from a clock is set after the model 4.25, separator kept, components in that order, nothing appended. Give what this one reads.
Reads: 3.12
